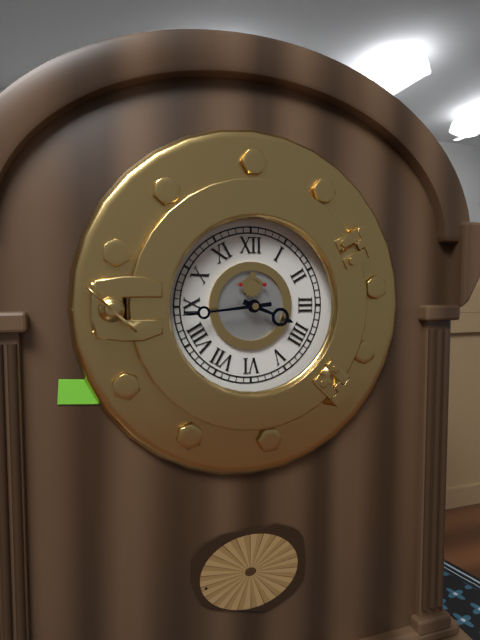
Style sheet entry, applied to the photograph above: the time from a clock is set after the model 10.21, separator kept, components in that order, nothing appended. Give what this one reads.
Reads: 3.44
